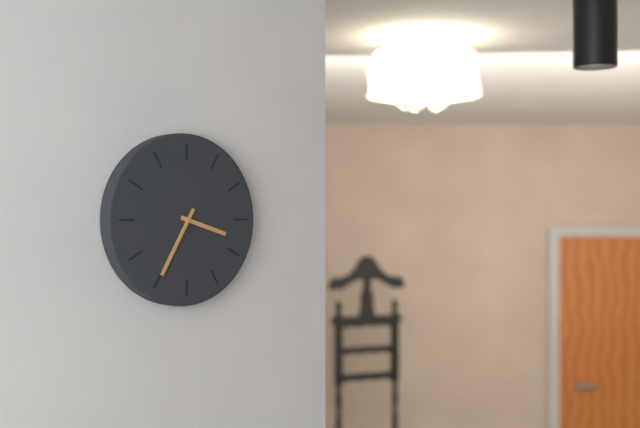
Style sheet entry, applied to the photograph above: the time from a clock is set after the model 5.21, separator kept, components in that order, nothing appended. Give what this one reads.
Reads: 3.35
